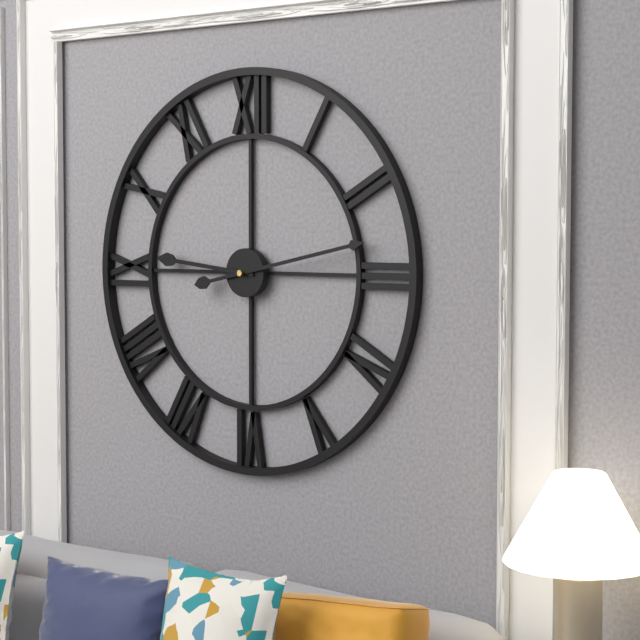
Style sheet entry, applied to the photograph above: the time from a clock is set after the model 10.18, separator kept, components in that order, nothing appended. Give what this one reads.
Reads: 9.13
